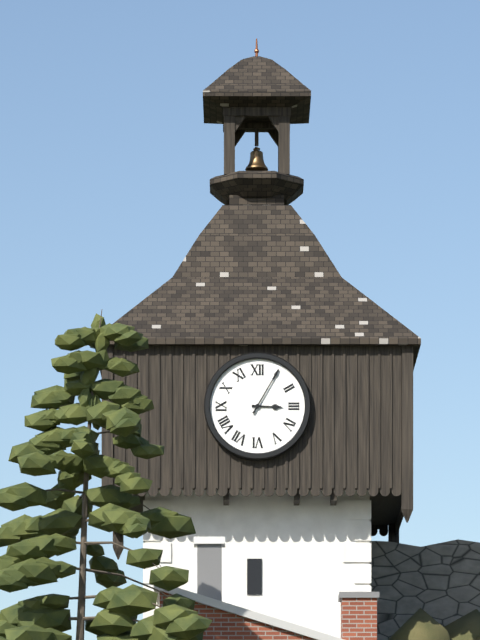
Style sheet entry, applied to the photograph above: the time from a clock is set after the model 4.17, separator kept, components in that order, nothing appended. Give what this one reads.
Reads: 3.05
